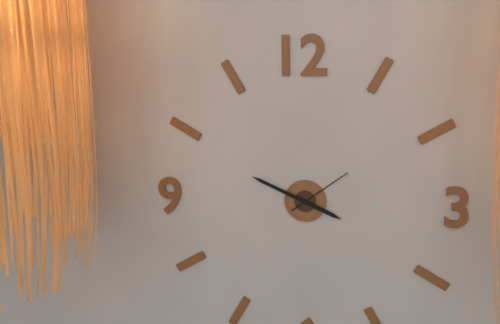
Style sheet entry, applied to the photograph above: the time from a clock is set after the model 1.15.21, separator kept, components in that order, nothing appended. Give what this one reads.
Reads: 3.49.09
